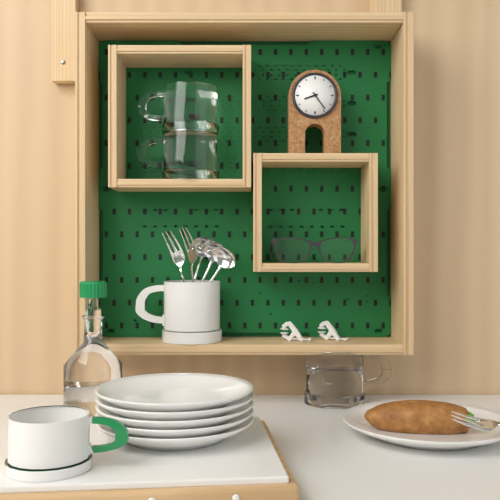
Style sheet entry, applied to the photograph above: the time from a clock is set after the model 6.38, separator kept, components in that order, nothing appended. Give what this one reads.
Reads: 8.24
